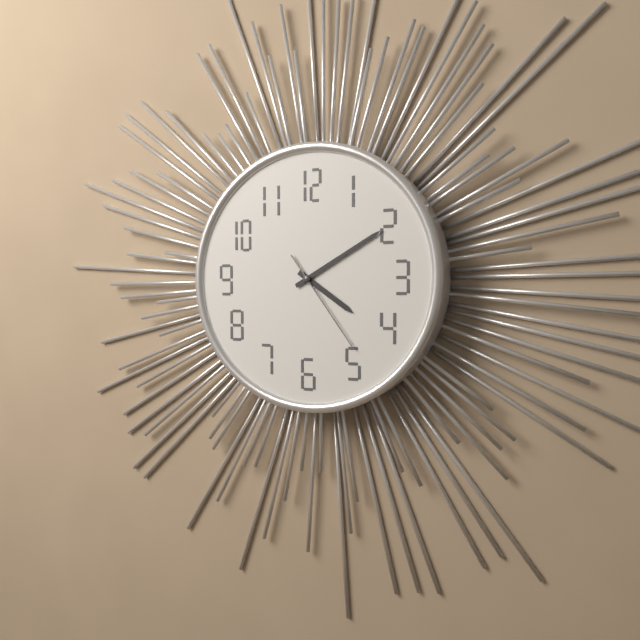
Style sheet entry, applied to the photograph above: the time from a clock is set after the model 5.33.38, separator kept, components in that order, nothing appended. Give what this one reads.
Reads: 4.10.24
